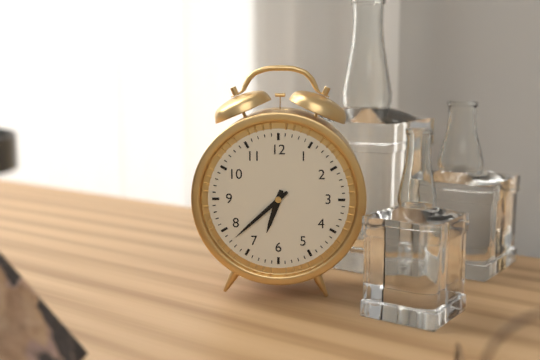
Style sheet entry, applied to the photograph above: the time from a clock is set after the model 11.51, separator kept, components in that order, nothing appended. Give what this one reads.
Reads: 6.38
